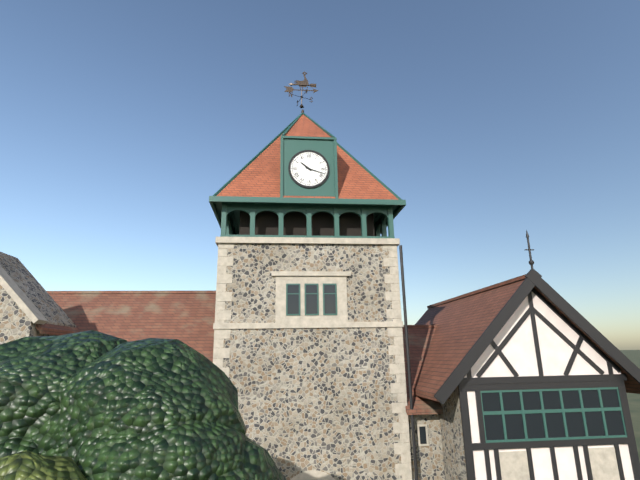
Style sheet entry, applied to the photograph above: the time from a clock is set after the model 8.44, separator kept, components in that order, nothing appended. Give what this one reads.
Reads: 10.18
